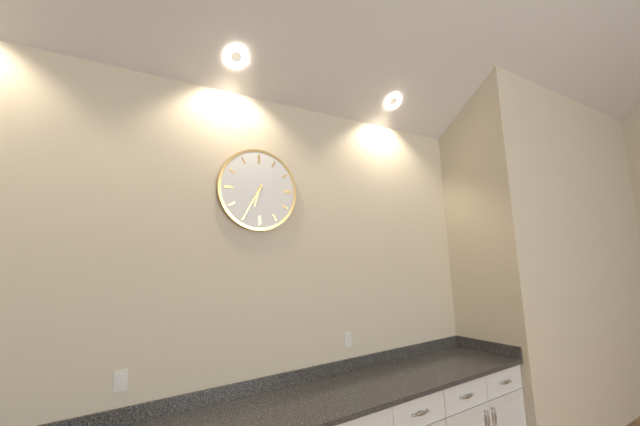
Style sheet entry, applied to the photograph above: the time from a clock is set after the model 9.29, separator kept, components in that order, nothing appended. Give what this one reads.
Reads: 6.35
